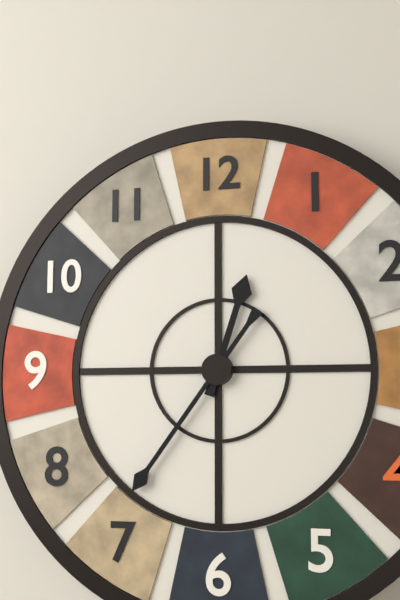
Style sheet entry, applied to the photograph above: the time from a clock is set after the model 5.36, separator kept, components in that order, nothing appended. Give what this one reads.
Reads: 12.36
